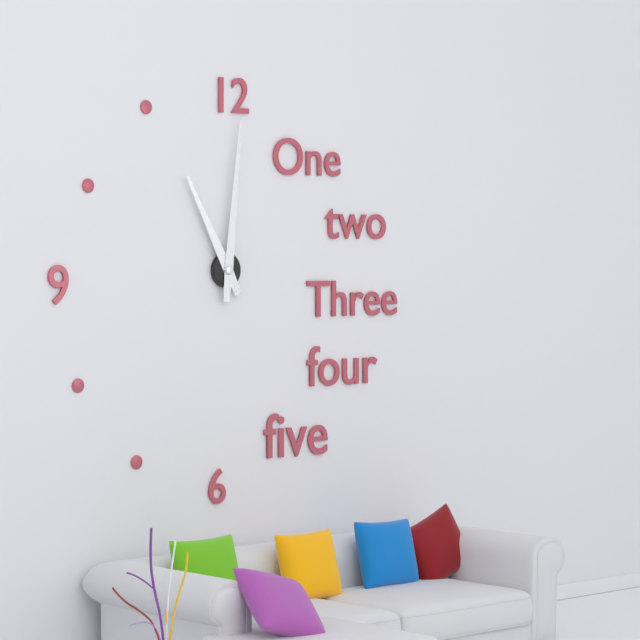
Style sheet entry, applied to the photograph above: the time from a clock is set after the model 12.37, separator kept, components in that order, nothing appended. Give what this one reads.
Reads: 11.01
